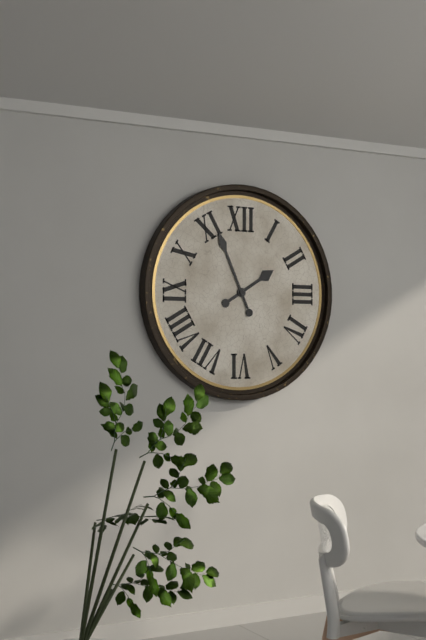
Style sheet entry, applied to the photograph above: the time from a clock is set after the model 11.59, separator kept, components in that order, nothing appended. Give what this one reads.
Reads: 1.56
